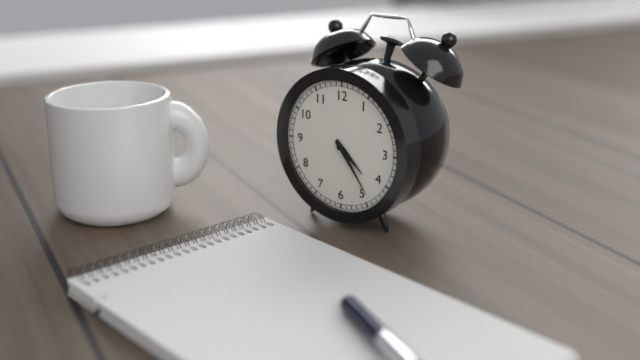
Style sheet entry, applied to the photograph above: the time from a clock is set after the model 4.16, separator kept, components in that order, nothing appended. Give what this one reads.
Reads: 4.24
